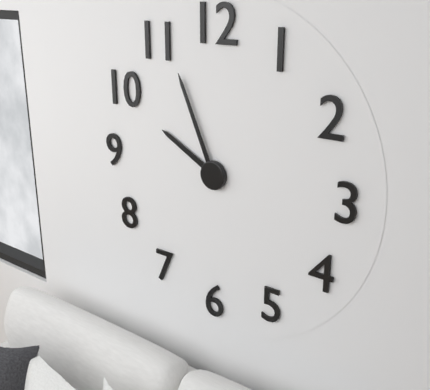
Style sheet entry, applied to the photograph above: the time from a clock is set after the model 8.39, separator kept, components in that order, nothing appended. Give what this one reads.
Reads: 9.56
